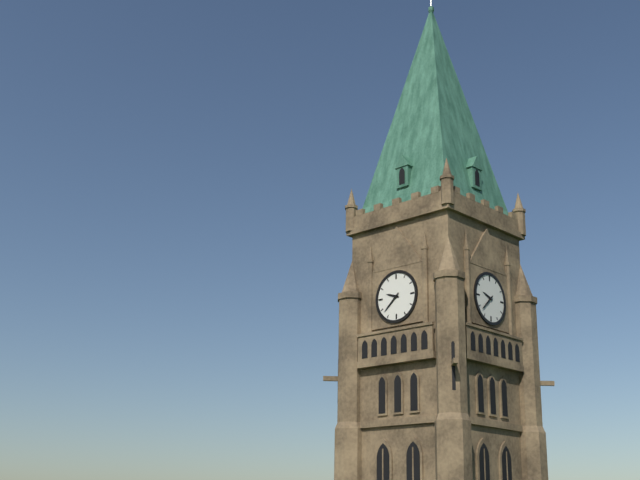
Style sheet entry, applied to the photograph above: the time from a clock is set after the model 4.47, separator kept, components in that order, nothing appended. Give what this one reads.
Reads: 9.38
